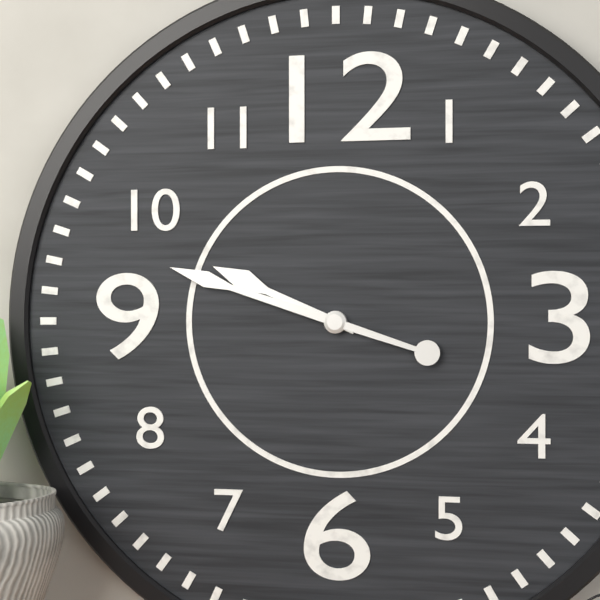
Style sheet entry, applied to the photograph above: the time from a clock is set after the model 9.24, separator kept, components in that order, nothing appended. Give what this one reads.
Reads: 9.48
